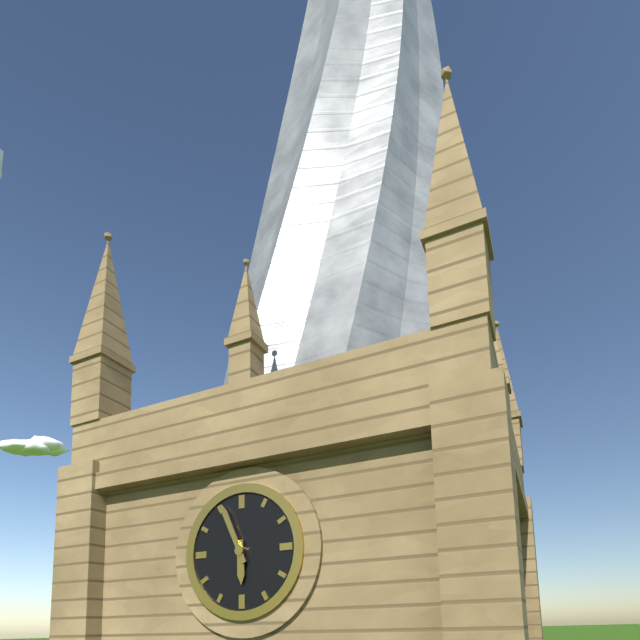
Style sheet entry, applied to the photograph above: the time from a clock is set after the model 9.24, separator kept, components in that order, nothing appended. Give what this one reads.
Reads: 5.56
